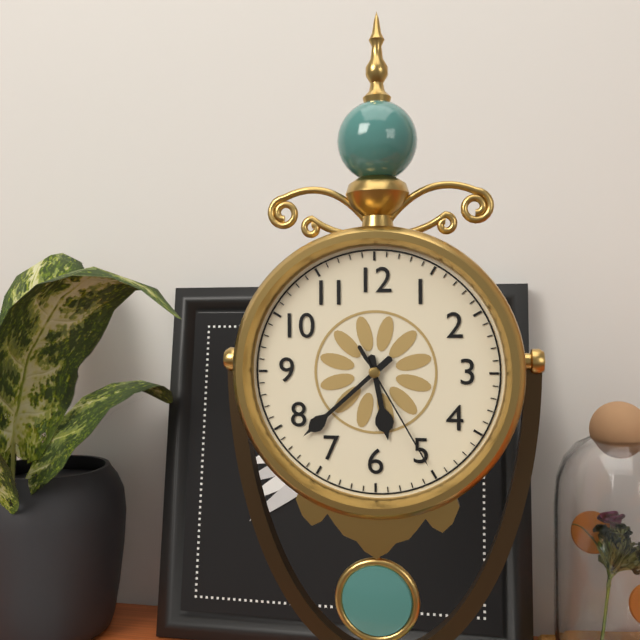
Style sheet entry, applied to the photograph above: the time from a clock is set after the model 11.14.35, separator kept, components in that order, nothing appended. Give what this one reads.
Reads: 5.38.25
